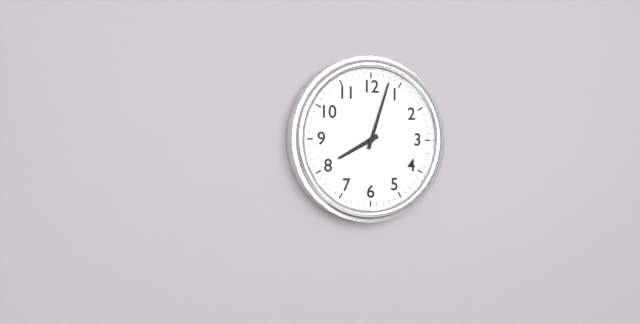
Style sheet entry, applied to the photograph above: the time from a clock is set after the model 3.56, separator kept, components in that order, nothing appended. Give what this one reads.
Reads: 8.03
